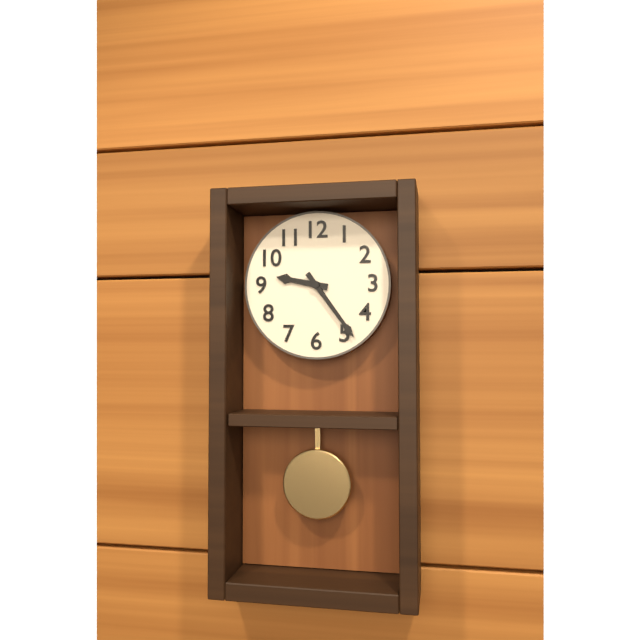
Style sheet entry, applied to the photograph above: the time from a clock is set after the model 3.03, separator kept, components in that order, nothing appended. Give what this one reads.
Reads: 9.24
